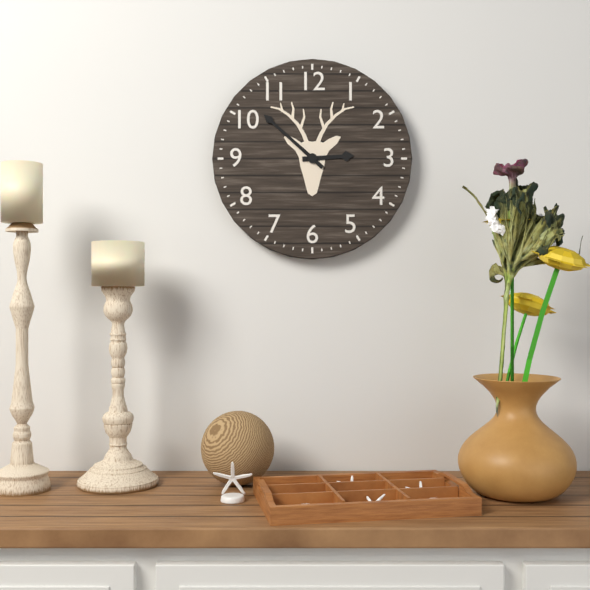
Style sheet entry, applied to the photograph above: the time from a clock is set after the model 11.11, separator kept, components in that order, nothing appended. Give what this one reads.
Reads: 2.52
